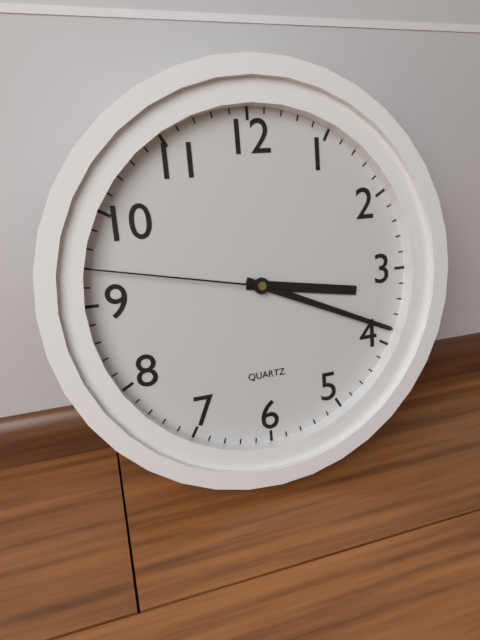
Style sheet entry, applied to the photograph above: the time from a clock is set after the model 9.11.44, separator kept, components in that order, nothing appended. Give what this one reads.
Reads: 3.19.47
